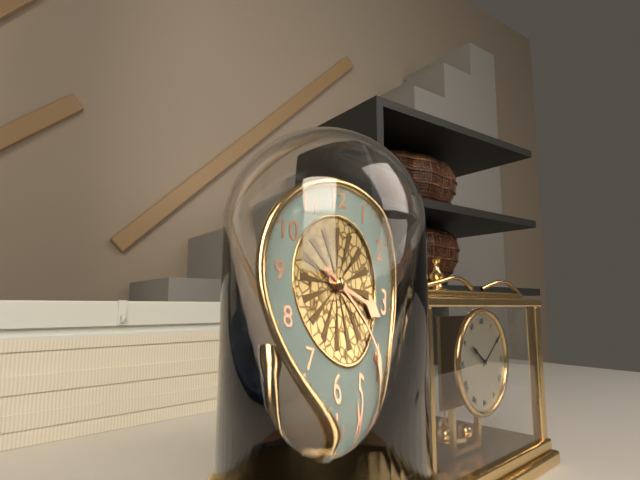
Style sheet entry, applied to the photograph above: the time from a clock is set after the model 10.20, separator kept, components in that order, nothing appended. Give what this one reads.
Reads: 3.20
